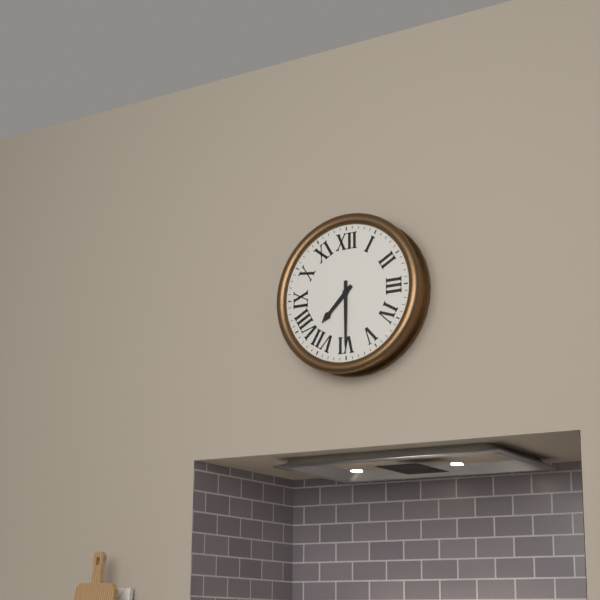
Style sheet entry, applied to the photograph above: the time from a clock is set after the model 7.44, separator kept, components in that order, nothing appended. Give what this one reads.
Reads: 7.30
